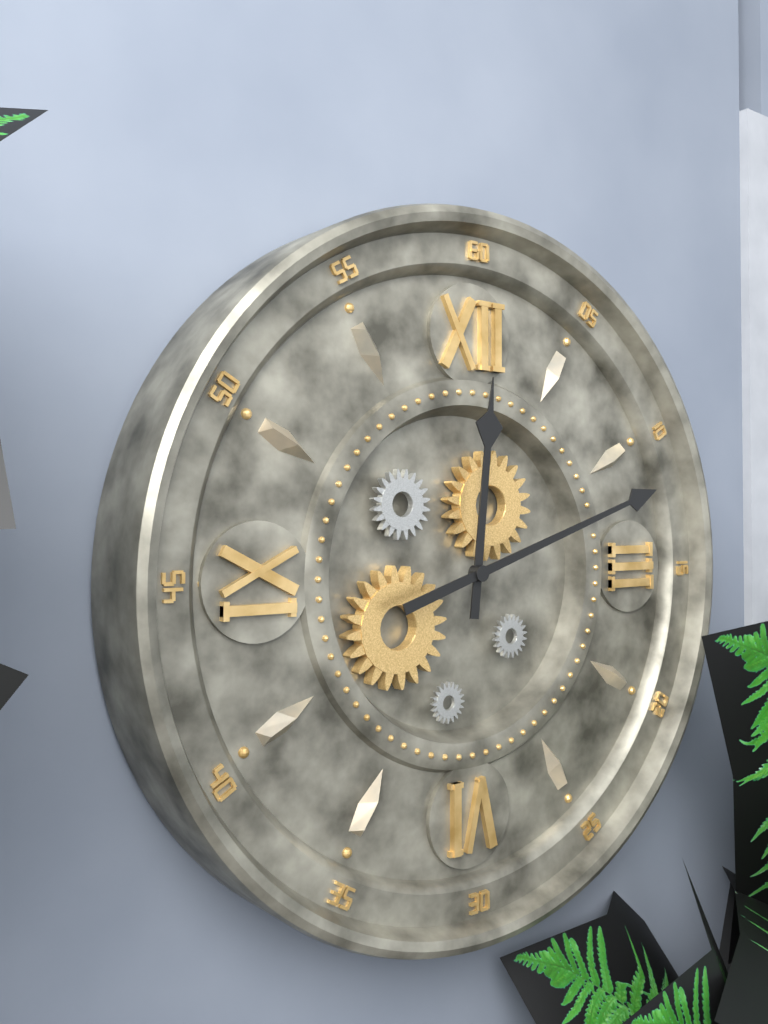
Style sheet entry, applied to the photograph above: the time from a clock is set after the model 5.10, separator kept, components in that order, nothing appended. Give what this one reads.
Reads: 12.12
